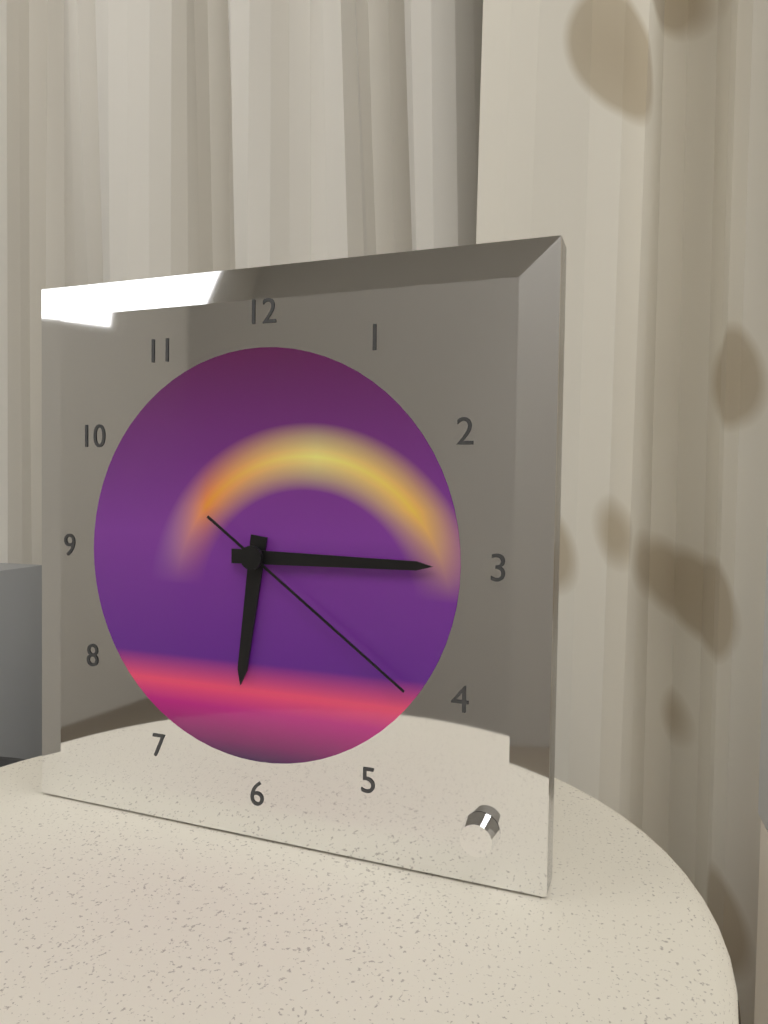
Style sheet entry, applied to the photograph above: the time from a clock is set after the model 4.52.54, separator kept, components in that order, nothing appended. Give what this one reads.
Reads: 6.15.21
